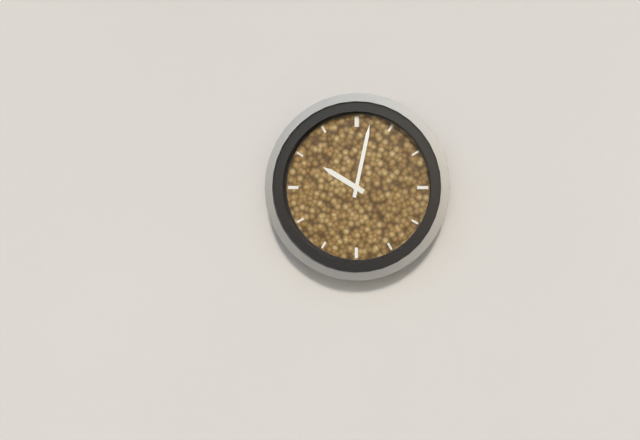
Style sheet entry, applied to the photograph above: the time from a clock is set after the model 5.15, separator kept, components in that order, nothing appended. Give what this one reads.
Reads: 10.02
